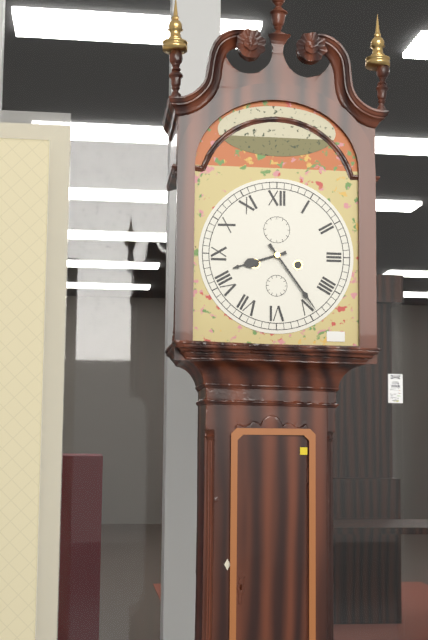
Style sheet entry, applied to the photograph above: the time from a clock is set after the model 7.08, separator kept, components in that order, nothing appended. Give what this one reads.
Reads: 8.24
